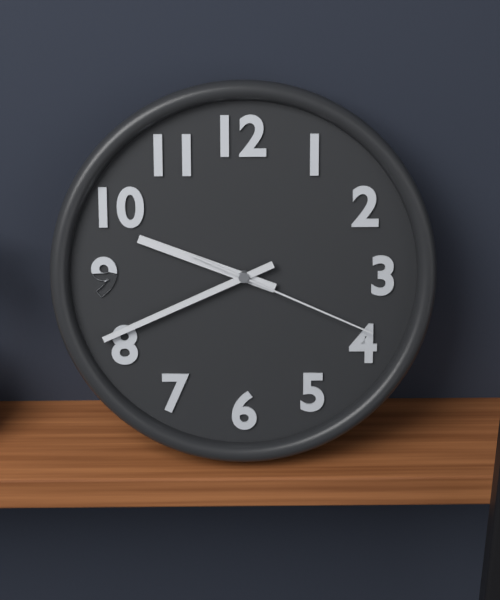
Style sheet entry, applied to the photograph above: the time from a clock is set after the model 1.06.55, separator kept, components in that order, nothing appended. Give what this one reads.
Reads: 9.41.19
